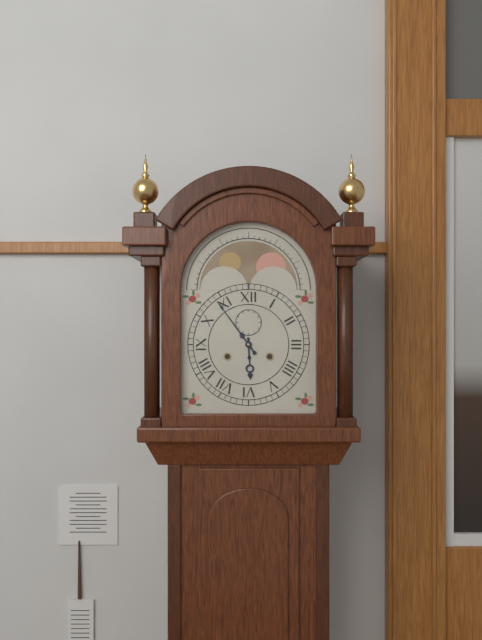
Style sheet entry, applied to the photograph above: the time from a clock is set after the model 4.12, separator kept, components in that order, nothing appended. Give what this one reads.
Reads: 5.54
